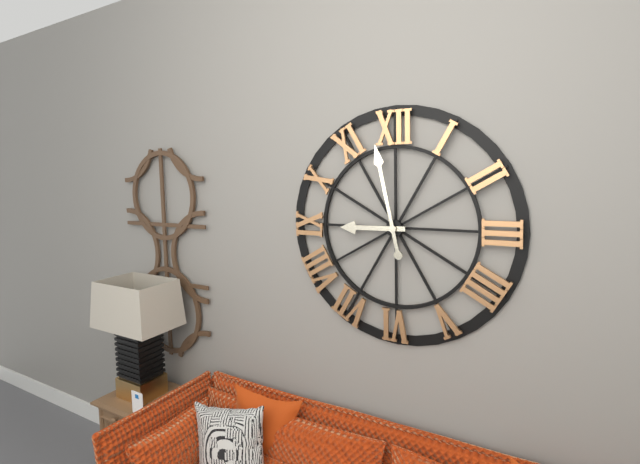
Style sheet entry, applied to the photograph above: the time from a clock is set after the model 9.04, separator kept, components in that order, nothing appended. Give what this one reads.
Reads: 8.58
